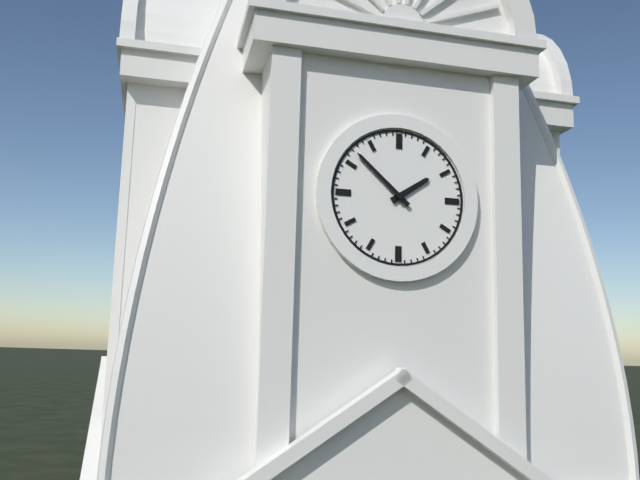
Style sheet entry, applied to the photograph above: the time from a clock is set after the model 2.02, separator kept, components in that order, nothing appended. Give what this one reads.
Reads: 1.52
